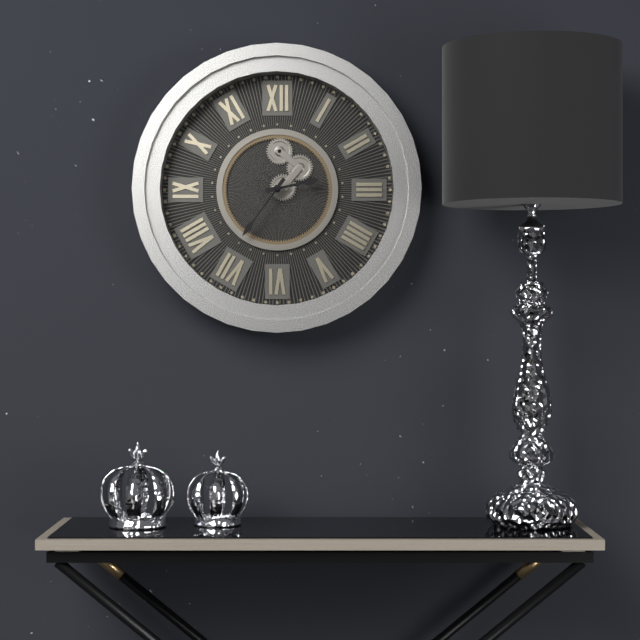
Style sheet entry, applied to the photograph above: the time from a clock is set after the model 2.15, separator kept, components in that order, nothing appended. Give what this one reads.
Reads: 2.36
